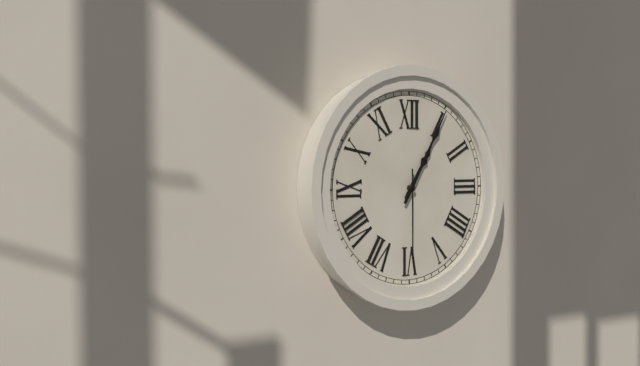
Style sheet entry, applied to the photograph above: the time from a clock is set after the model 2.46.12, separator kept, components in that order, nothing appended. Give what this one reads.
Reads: 1.05.30
